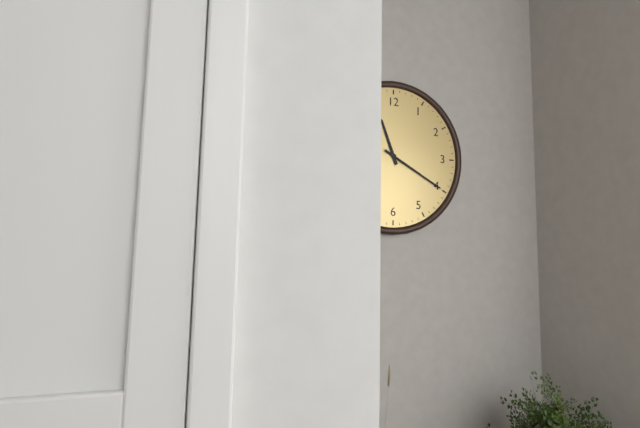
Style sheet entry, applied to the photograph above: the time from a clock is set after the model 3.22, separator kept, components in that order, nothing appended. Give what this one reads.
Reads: 11.20
